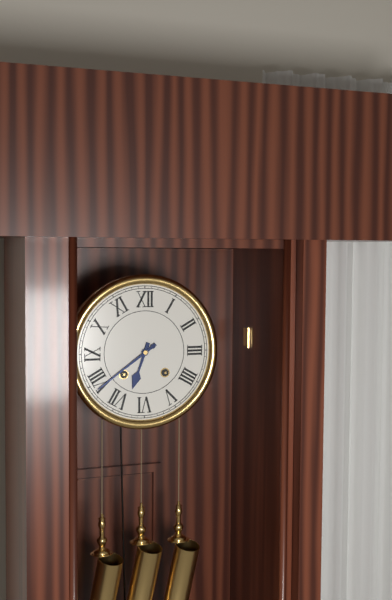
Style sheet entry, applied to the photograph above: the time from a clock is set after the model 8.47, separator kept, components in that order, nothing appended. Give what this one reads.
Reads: 6.39
